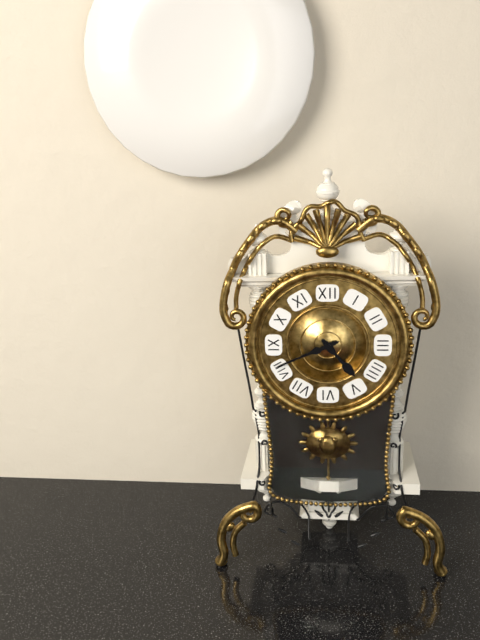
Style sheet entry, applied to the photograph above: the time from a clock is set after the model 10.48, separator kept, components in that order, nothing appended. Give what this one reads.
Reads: 4.41
